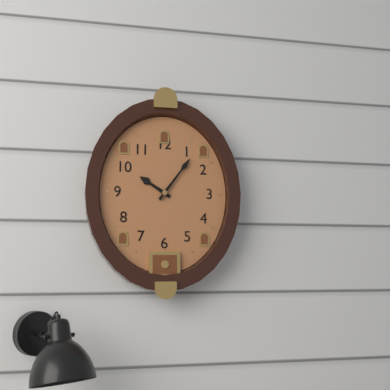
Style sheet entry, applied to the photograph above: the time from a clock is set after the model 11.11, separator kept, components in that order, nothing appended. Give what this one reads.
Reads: 10.06
